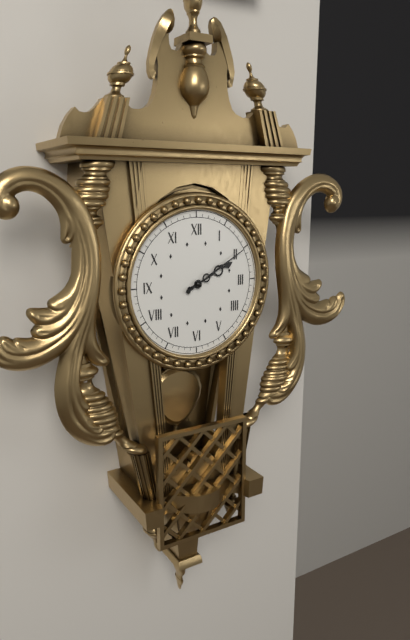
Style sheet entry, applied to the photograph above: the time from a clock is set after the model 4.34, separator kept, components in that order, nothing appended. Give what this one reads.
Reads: 2.10
